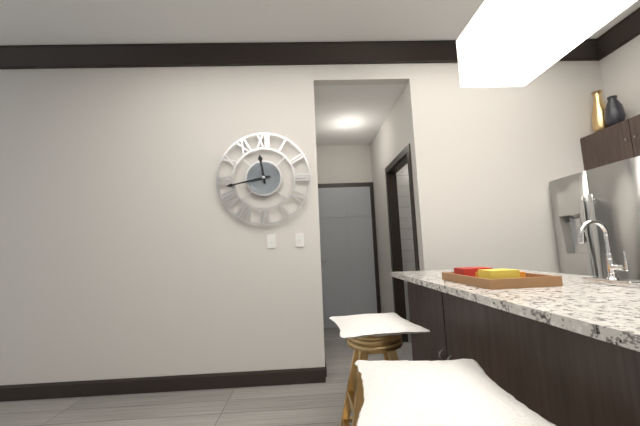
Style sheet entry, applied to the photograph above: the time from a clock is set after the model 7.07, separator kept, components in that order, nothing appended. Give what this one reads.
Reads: 11.43
